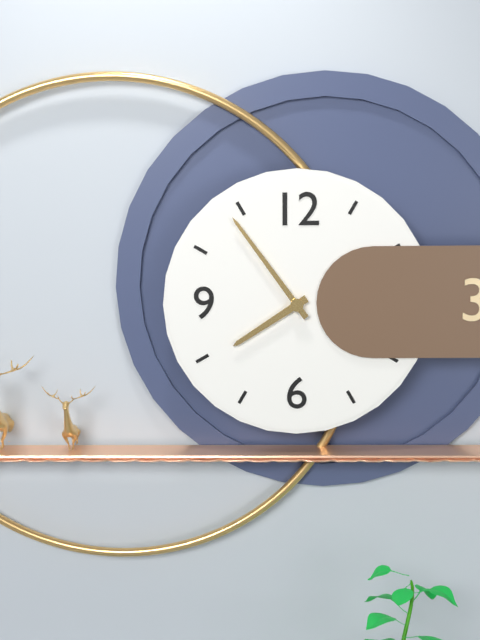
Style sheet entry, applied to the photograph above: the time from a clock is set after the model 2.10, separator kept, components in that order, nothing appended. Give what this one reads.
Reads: 7.54
